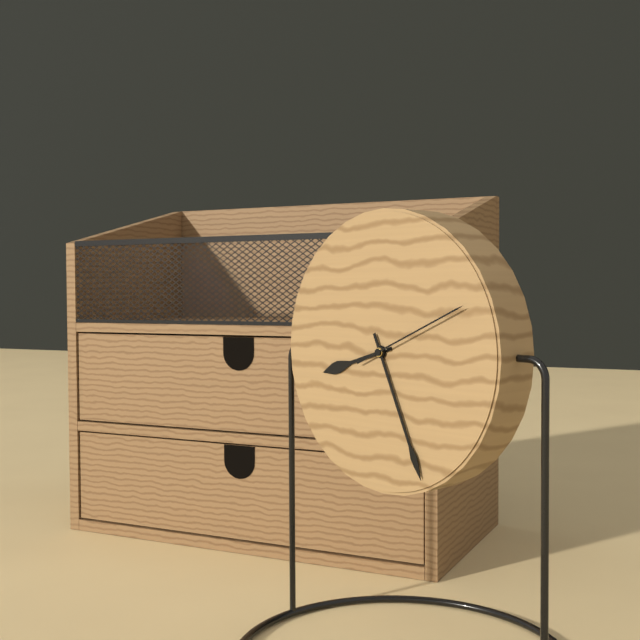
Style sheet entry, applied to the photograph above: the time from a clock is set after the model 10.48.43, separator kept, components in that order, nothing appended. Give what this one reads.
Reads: 8.26.11
